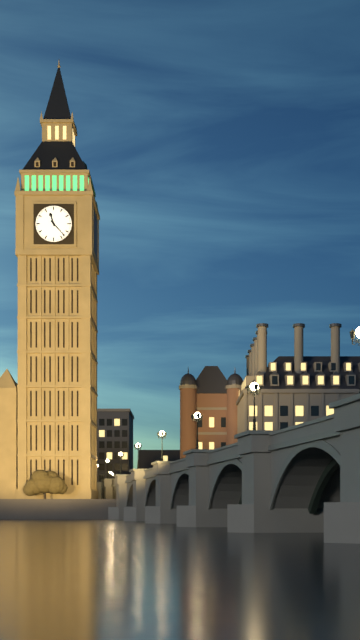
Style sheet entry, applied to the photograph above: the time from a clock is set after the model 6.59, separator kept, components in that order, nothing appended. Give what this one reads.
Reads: 11.23
